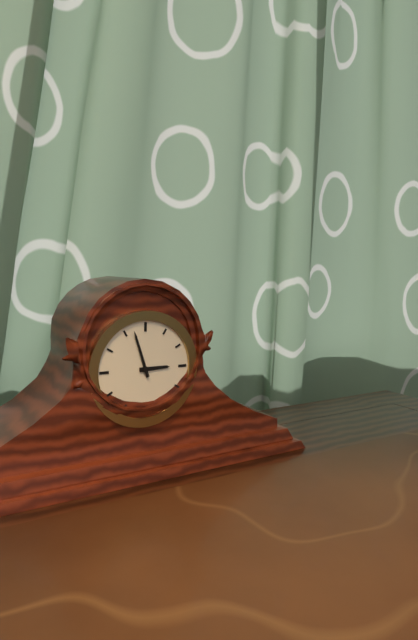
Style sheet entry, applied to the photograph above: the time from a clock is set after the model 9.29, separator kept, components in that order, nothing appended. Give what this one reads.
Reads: 2.57
